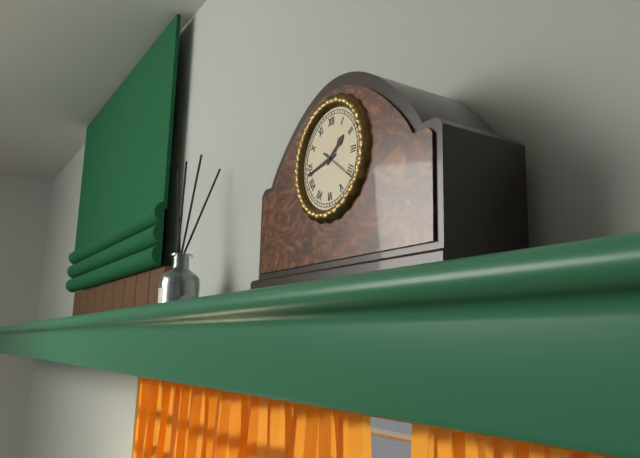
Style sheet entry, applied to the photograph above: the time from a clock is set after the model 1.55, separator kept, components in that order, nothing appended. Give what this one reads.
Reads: 1.43
